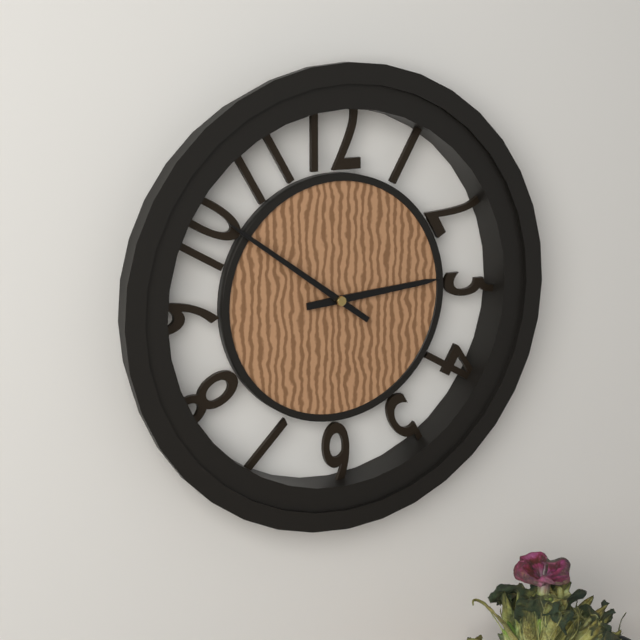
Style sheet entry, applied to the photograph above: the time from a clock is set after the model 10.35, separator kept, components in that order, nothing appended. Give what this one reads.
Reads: 2.51
